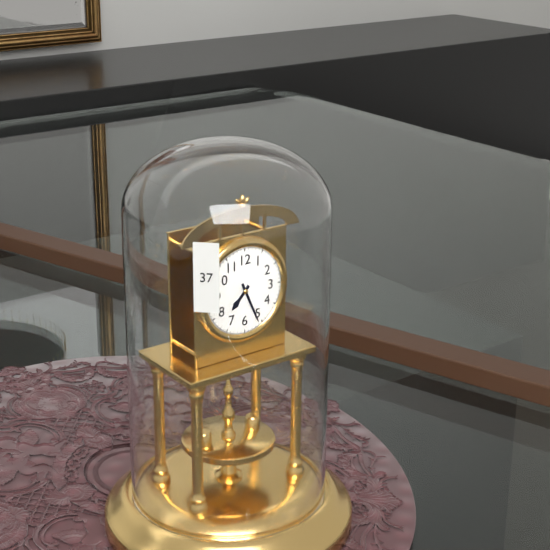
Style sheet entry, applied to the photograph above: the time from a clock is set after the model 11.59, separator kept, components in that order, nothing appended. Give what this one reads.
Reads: 7.26
